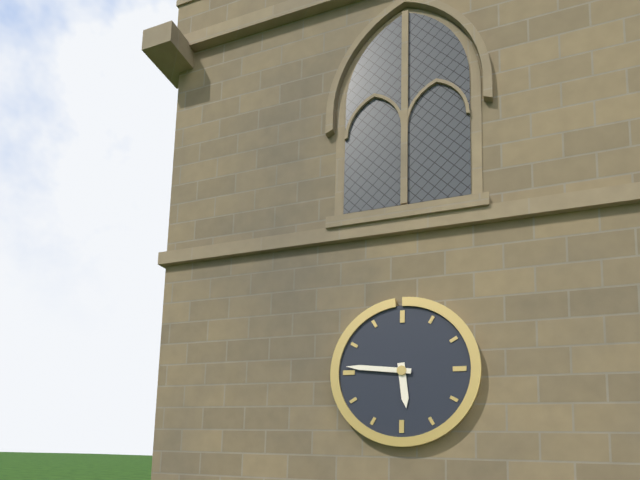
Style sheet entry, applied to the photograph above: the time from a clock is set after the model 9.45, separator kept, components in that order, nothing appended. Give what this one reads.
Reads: 5.46
